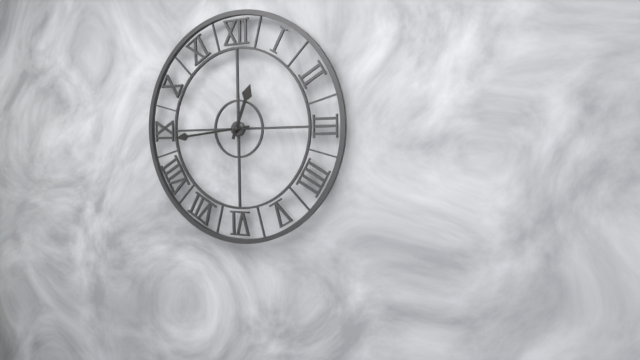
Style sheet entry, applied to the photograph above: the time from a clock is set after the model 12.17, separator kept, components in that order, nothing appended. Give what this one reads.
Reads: 12.44
